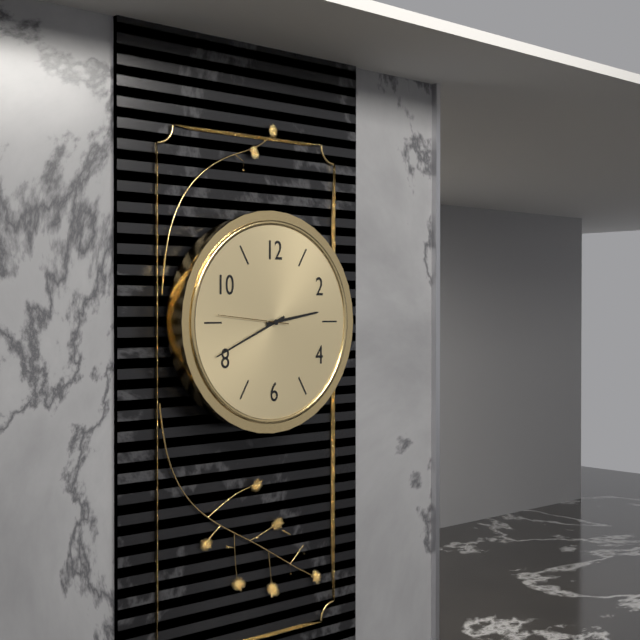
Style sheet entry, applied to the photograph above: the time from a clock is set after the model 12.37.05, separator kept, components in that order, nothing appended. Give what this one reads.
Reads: 2.41.46
